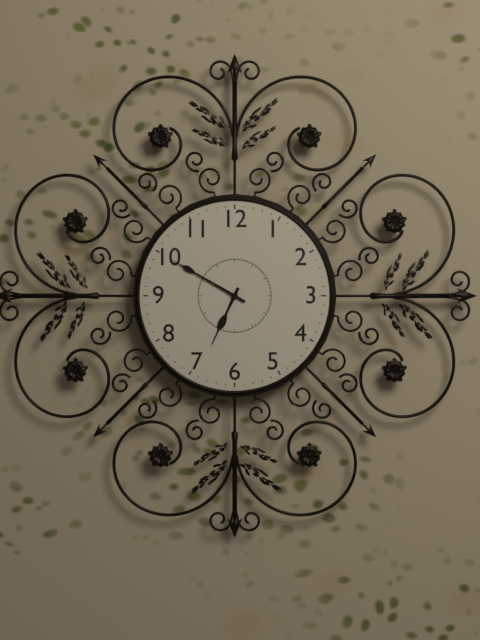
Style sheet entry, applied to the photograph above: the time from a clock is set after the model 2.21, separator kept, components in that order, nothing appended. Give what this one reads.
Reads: 6.50
